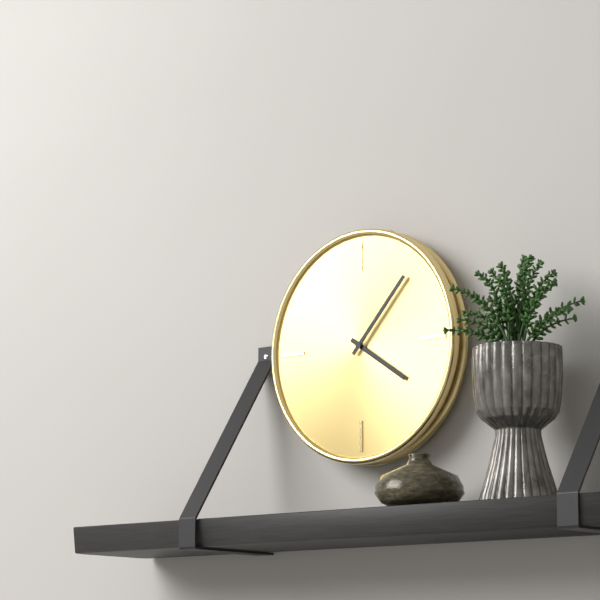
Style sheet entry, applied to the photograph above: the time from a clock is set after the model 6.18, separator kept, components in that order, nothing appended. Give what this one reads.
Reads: 4.07
